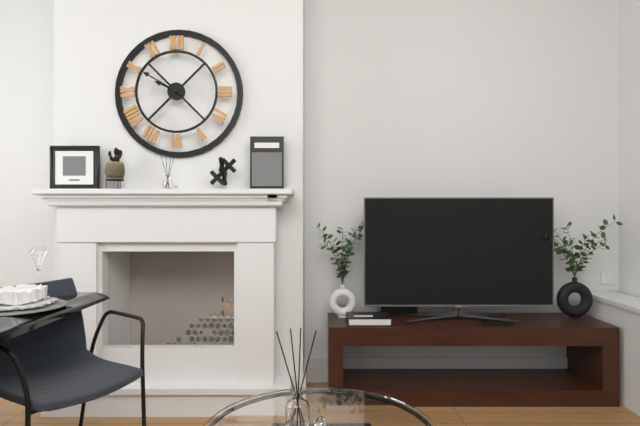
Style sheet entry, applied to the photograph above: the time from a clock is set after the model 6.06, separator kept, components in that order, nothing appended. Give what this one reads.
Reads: 9.50
